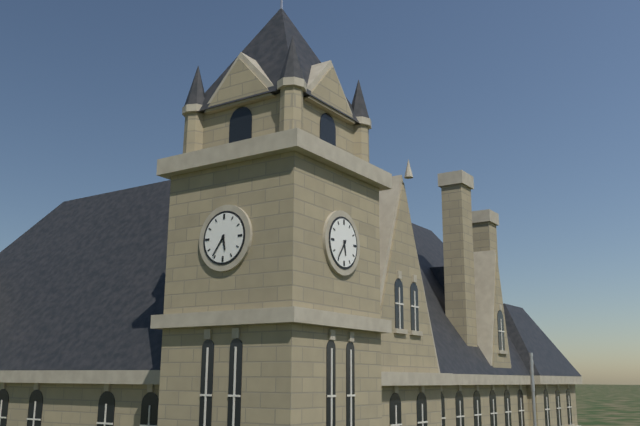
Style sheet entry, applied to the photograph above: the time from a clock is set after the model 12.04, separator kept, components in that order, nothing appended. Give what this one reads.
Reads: 5.36
